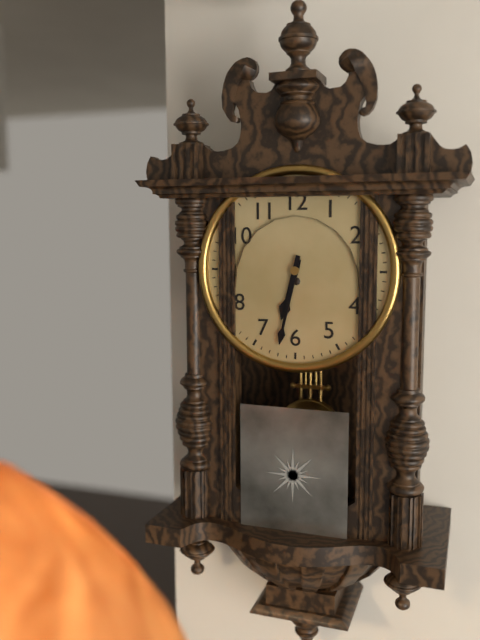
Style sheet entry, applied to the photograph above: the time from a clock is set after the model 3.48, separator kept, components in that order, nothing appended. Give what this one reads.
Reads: 6.32
